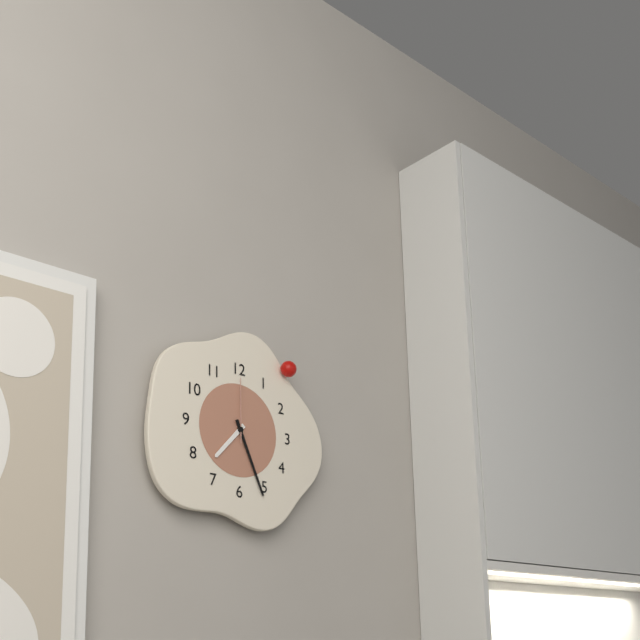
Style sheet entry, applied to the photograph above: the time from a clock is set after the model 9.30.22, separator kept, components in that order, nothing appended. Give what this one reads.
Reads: 7.26.00
